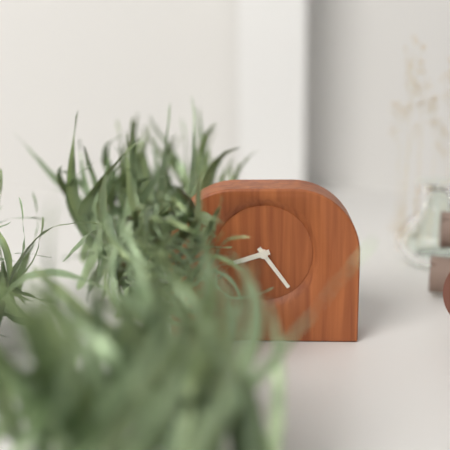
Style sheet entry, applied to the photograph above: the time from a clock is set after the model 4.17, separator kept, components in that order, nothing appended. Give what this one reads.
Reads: 8.24
